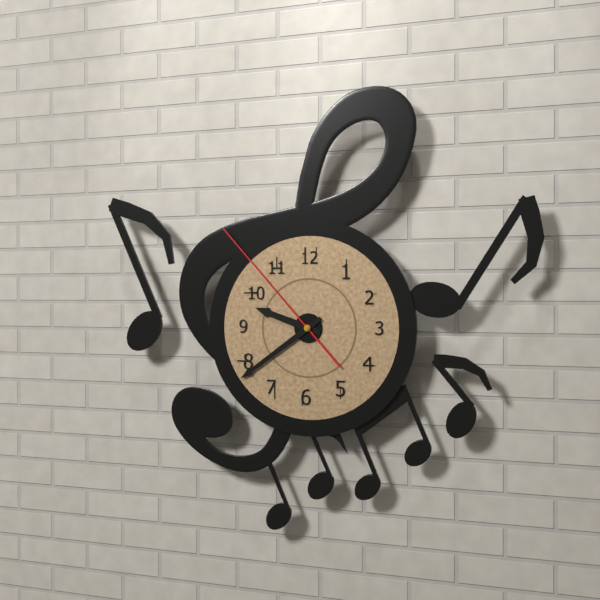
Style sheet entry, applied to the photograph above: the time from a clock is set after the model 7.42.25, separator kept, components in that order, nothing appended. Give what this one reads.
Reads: 9.39.53
